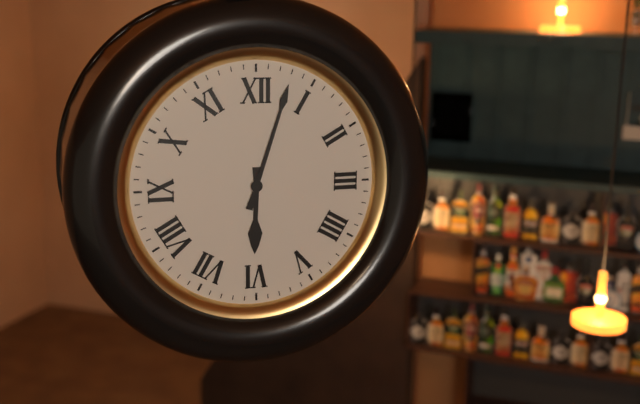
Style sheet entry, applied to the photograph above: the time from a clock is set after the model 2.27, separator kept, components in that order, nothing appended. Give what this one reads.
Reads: 6.03
